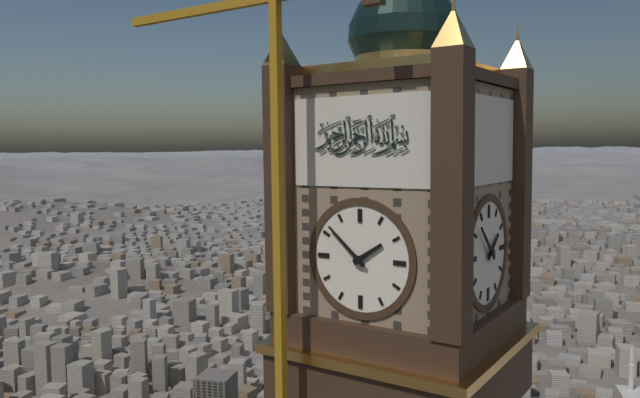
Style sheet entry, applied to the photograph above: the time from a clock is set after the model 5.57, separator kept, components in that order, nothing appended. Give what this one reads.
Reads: 1.52
